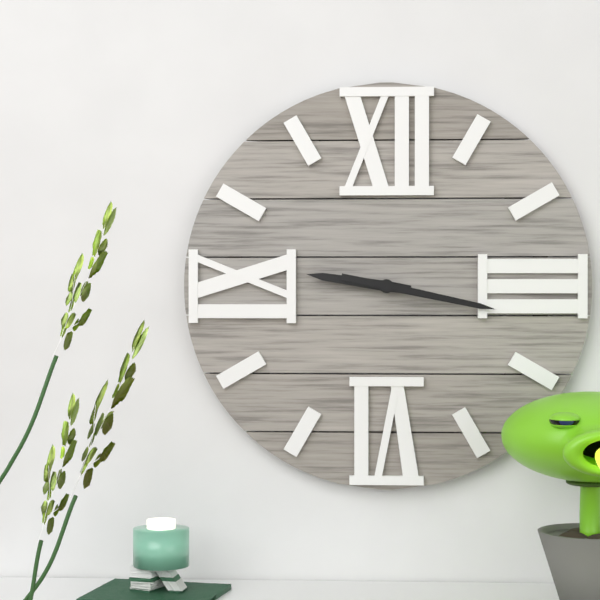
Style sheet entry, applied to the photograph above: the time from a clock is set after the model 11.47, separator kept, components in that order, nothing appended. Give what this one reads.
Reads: 9.17
